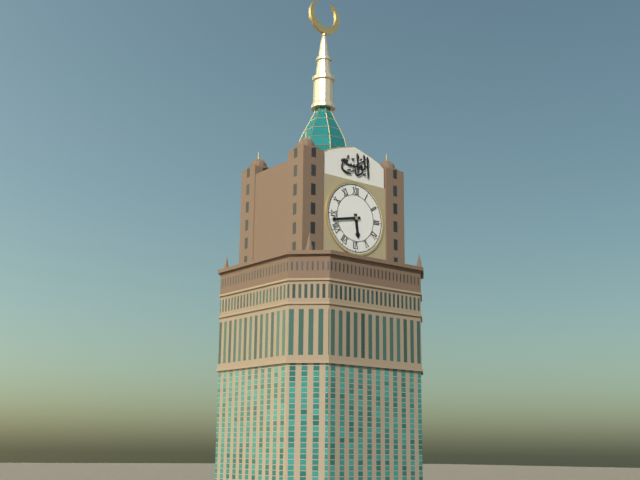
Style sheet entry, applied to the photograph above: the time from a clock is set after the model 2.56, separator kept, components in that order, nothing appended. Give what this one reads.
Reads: 5.43
